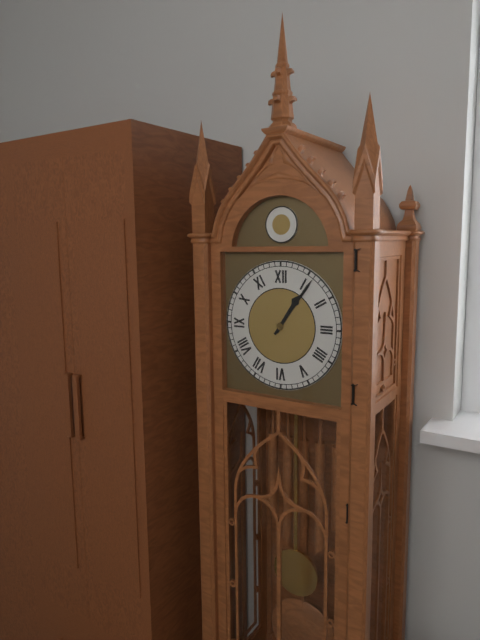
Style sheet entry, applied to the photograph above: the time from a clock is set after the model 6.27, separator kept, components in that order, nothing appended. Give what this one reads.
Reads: 1.06
